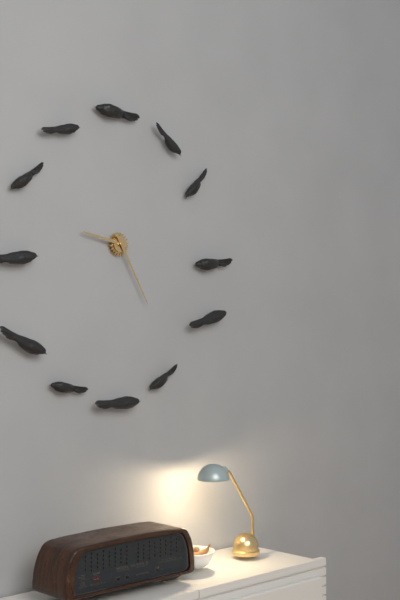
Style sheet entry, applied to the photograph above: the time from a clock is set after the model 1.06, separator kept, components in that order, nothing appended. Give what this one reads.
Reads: 9.25
